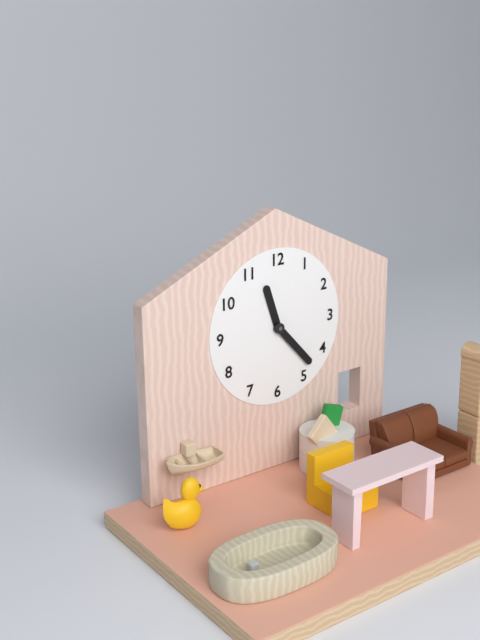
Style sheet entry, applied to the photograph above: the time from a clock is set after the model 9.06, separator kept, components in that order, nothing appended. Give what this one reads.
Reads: 11.23
